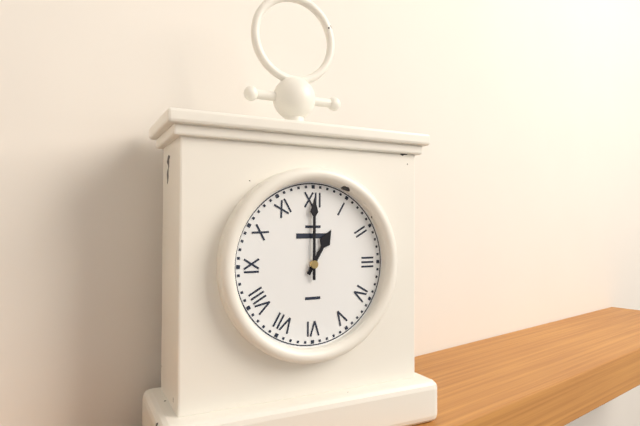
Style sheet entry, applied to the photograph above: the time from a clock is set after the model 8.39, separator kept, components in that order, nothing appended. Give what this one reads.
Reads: 1.00
